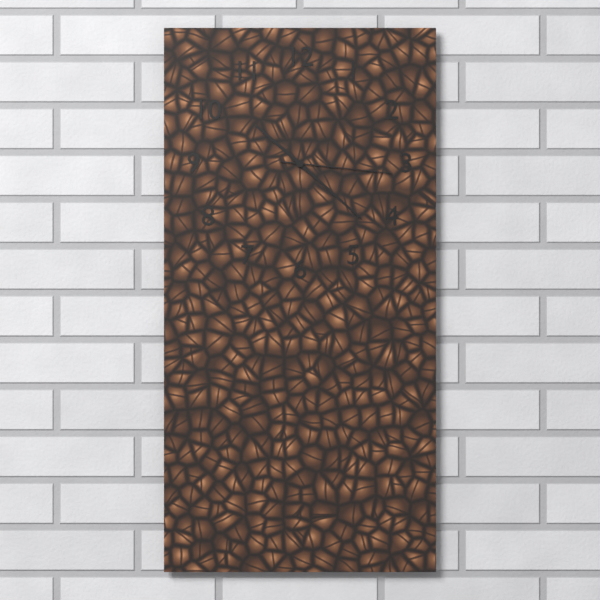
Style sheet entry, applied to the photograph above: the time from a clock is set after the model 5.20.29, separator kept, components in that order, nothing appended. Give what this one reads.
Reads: 10.22.16
